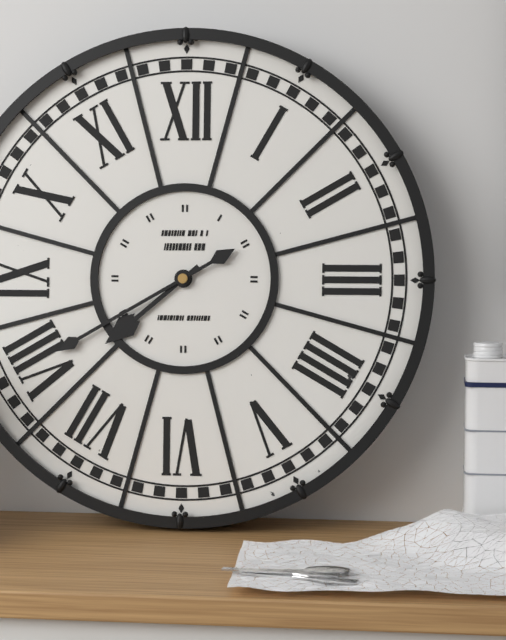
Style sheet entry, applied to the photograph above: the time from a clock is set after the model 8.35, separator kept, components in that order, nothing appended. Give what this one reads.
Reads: 7.40
